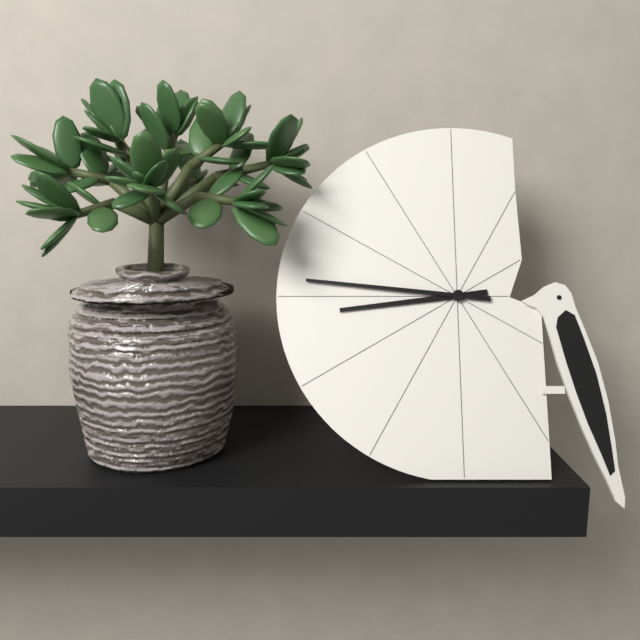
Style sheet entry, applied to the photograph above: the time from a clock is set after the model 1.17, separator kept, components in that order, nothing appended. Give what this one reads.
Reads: 8.46
